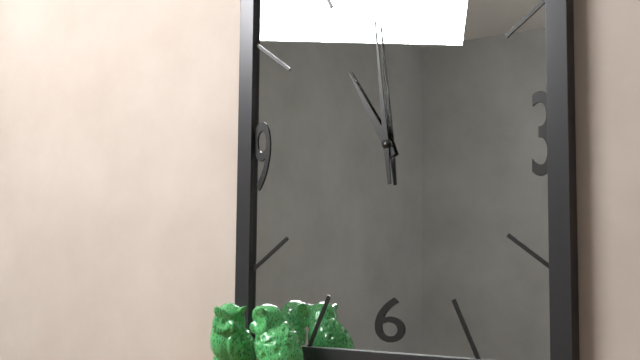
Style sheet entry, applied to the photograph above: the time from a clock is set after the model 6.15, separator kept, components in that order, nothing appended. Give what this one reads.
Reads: 10.59
